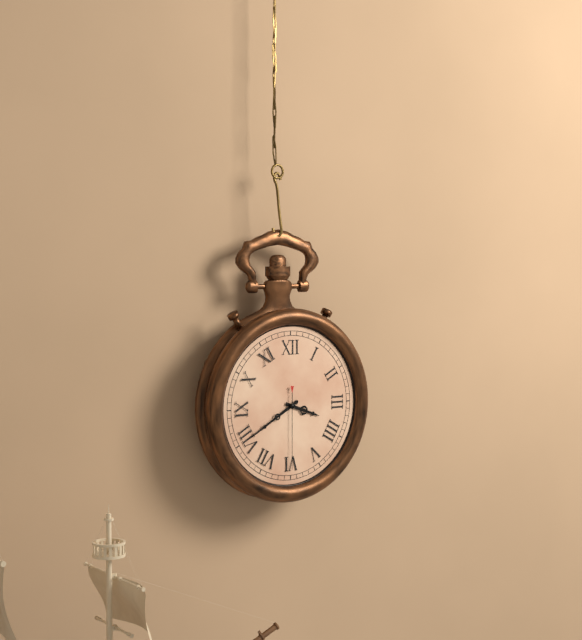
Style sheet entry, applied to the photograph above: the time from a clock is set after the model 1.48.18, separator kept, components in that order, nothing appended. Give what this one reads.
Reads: 3.40.30
